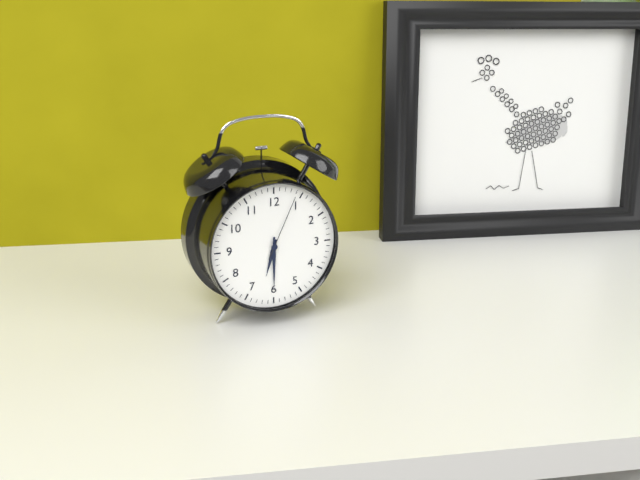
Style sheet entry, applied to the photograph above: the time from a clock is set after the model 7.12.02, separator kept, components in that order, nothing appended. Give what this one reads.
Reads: 6.30.04
